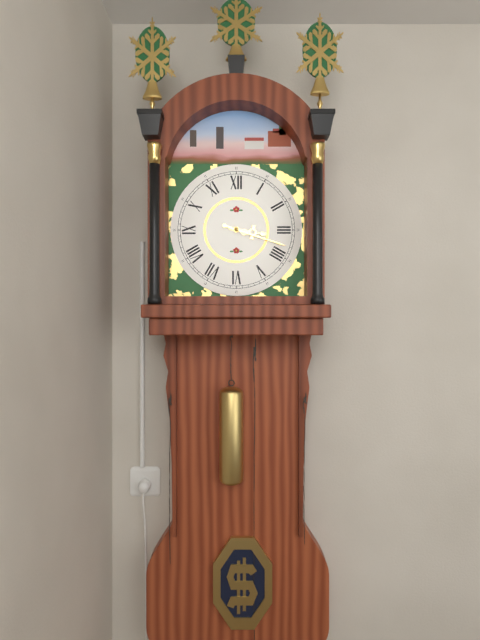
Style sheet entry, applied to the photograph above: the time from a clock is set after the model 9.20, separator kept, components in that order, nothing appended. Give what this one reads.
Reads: 3.18
